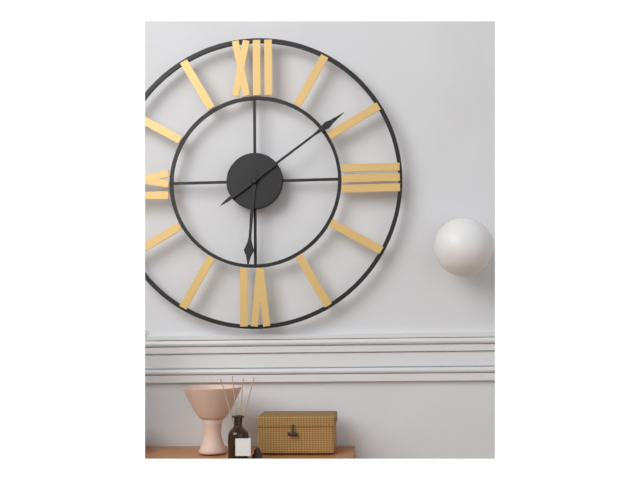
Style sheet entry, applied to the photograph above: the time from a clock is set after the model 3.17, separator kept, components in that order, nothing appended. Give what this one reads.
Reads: 6.09
